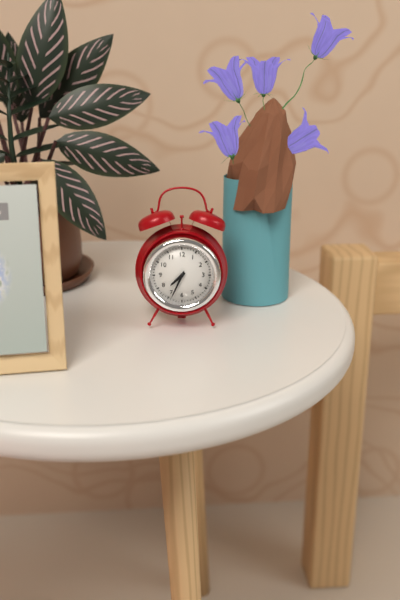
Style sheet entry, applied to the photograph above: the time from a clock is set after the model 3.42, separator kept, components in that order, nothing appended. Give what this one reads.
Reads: 7.34
